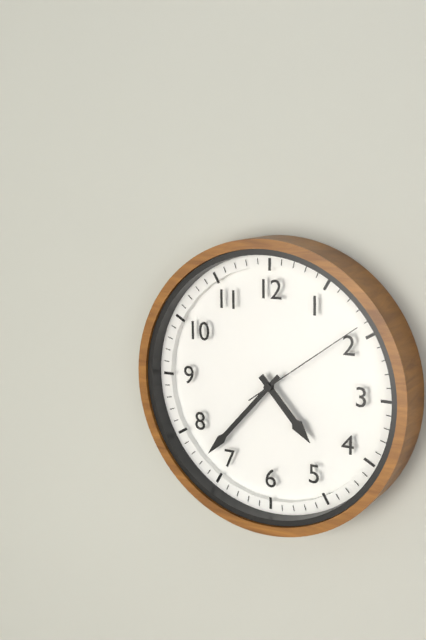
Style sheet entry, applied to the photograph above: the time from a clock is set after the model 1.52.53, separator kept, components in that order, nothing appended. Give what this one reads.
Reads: 4.37.09
